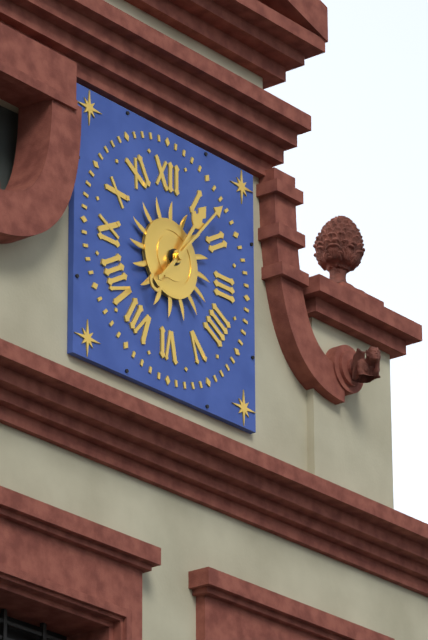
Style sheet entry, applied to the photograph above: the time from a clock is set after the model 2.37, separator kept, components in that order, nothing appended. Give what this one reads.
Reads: 1.07
